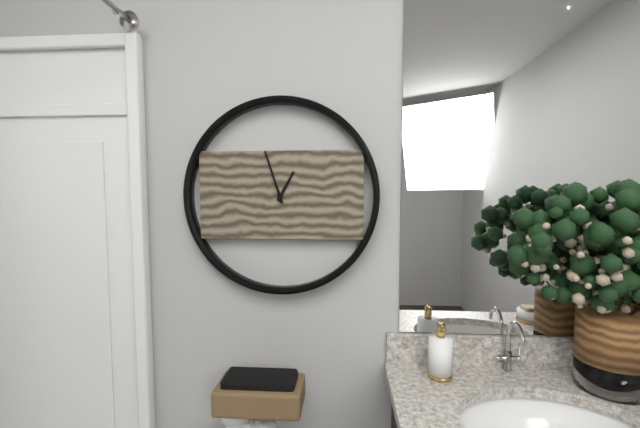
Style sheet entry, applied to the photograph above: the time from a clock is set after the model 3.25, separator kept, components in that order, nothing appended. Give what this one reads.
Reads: 12.57
